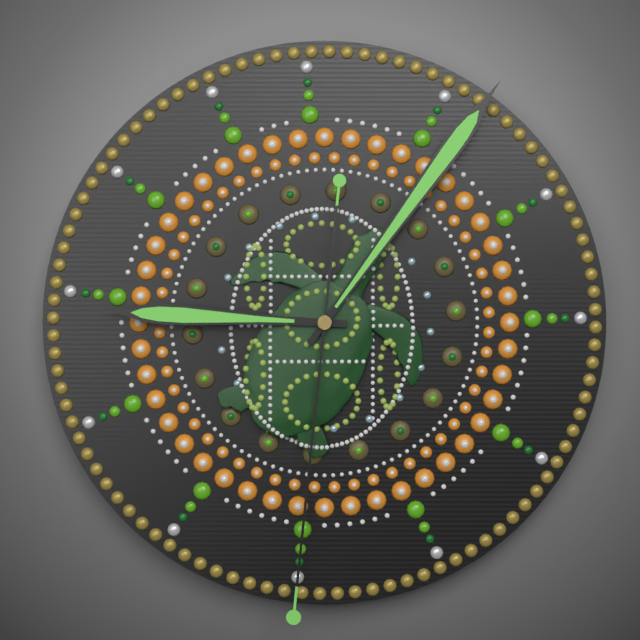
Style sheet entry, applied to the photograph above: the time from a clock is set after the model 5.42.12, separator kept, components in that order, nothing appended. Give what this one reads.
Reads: 9.06.31
